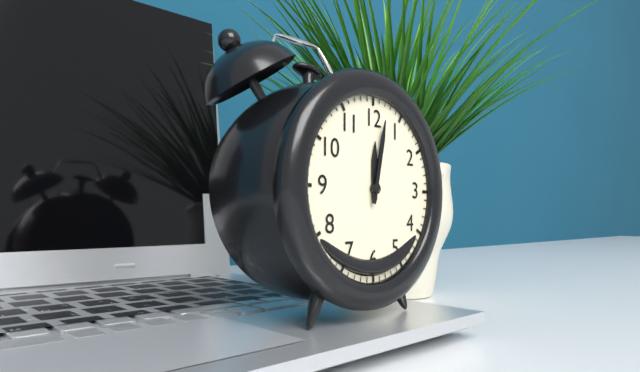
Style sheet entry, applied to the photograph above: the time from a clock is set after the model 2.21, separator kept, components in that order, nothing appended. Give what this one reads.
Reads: 12.02
